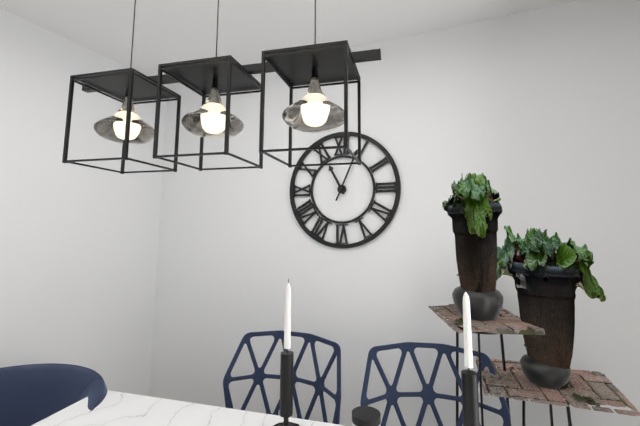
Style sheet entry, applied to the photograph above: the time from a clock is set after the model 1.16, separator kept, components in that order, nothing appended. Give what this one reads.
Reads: 11.04
